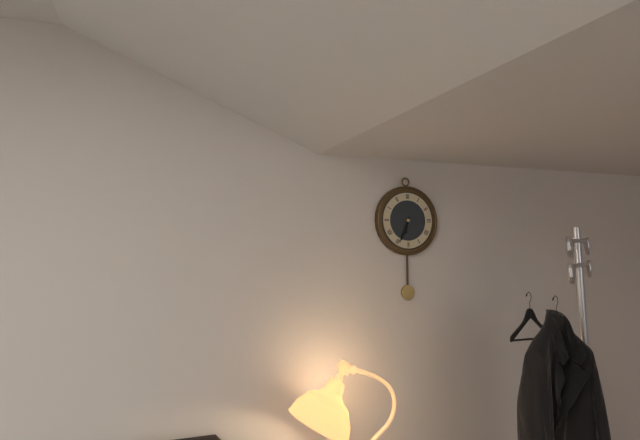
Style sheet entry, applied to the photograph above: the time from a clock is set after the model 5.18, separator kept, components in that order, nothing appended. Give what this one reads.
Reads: 6.34
